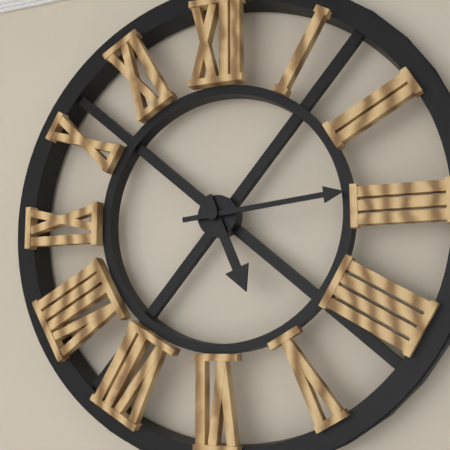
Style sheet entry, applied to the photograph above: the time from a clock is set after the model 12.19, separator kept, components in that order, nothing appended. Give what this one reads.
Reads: 5.14
